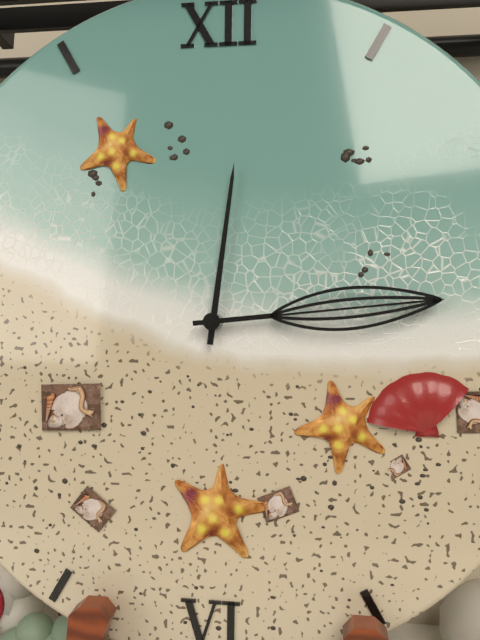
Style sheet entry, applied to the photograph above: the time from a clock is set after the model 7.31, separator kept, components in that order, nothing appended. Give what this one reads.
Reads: 12.14
